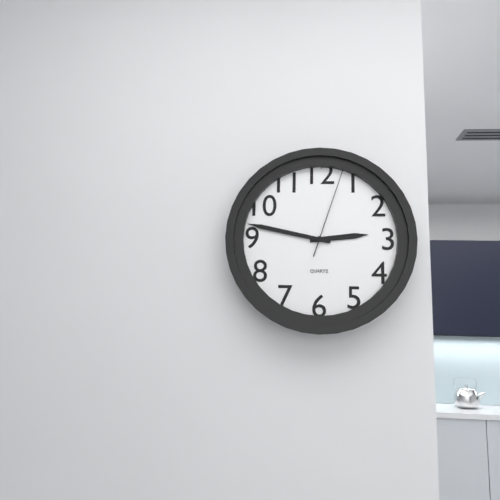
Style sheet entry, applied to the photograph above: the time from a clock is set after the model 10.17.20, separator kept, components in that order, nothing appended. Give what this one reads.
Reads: 2.47.03
